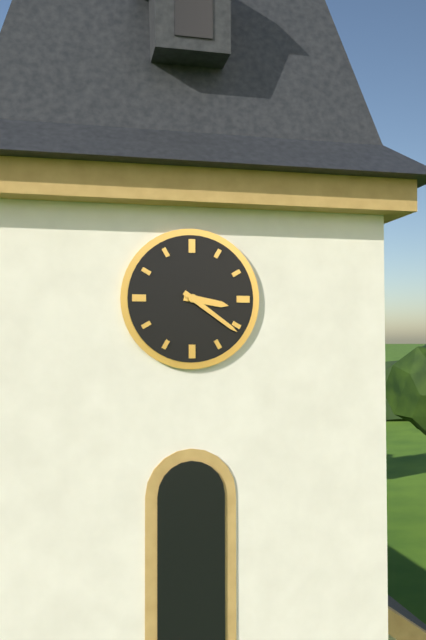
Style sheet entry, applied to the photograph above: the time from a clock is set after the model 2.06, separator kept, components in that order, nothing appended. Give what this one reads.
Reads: 3.21
